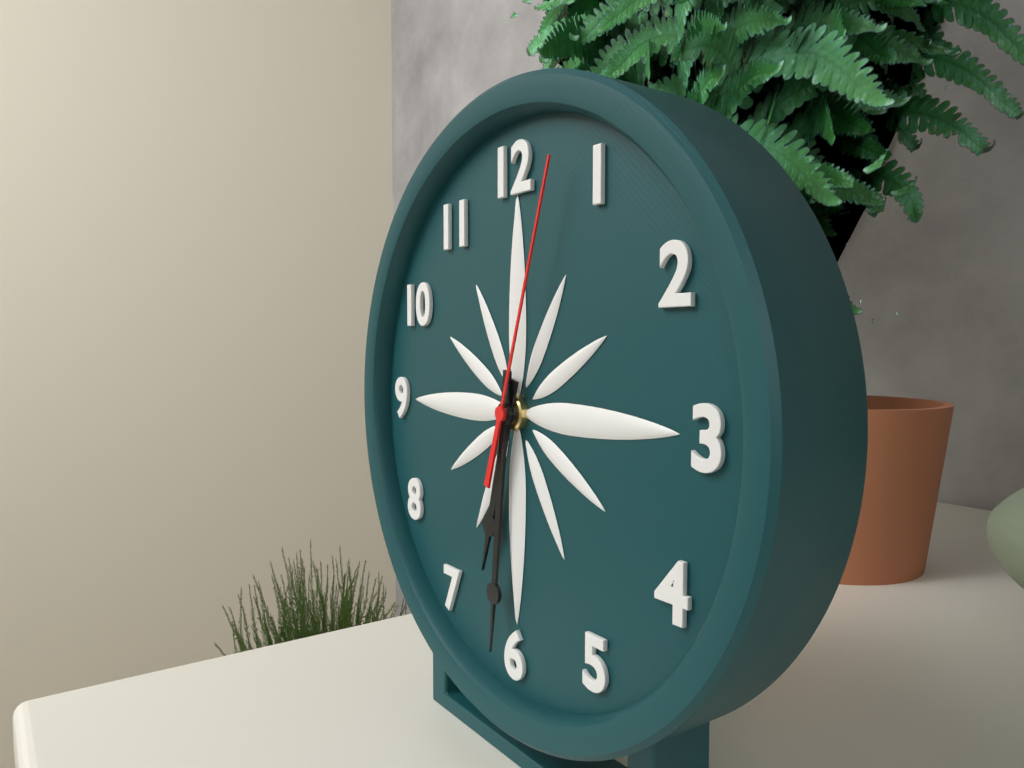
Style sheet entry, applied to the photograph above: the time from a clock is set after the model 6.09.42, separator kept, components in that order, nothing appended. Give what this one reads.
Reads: 6.31.03
